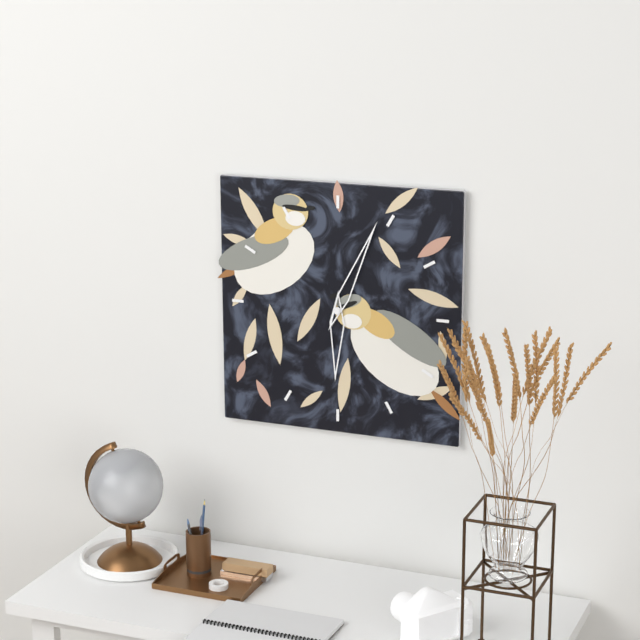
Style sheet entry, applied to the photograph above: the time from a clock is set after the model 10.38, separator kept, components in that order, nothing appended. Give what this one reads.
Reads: 6.04
